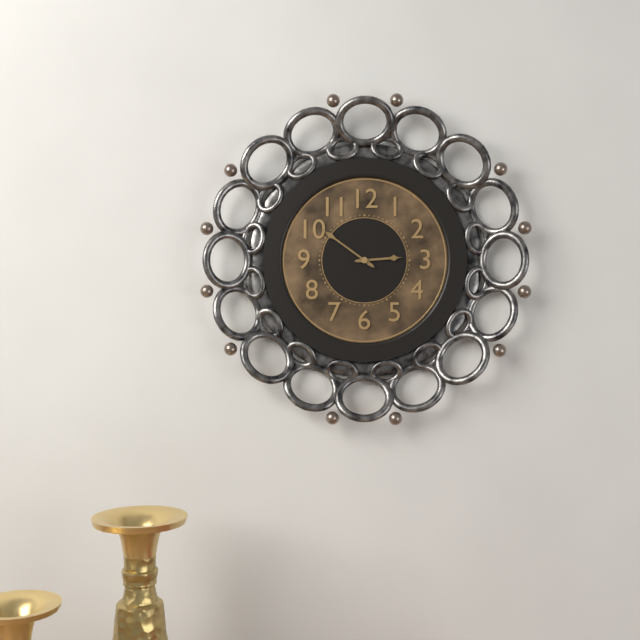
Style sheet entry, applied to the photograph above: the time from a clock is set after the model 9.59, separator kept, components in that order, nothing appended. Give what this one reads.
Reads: 2.51
